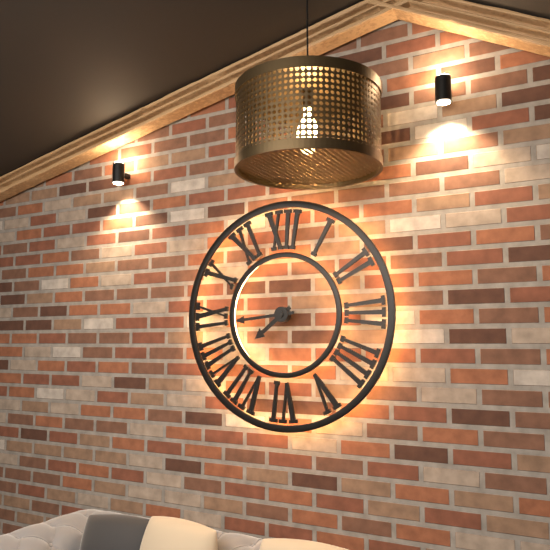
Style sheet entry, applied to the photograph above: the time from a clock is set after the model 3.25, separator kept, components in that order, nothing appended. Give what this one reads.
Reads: 7.44
